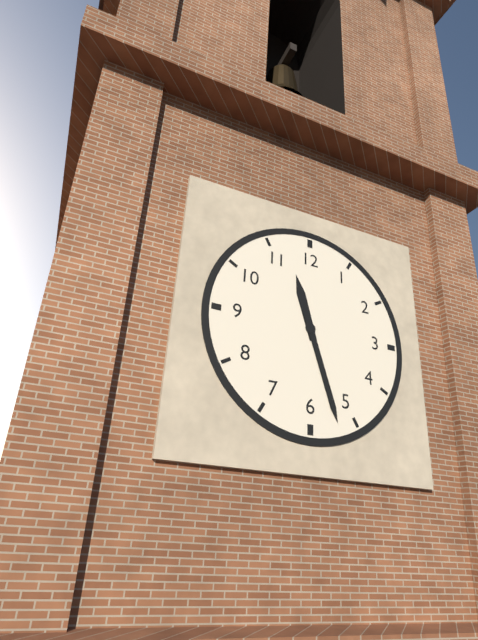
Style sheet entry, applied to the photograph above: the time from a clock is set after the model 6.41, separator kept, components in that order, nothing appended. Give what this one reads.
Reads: 11.27
